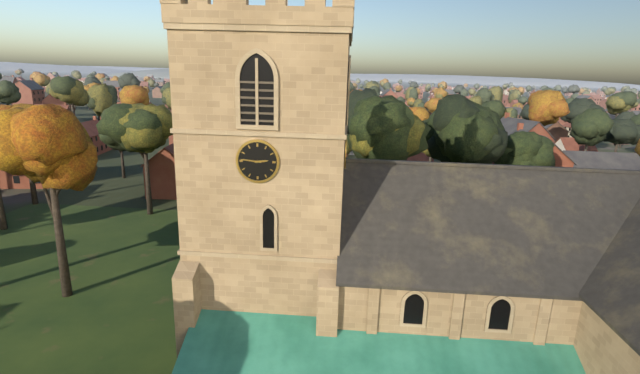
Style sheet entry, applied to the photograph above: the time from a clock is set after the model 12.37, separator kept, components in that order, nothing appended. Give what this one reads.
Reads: 2.46
